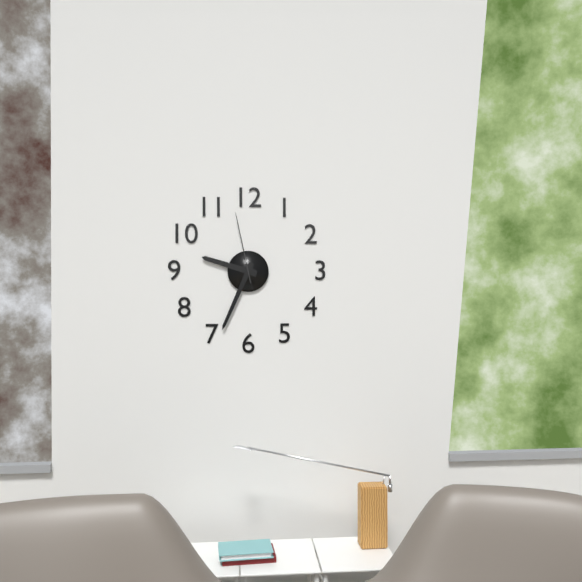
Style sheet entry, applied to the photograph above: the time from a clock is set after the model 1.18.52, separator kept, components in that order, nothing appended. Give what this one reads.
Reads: 9.34.58
